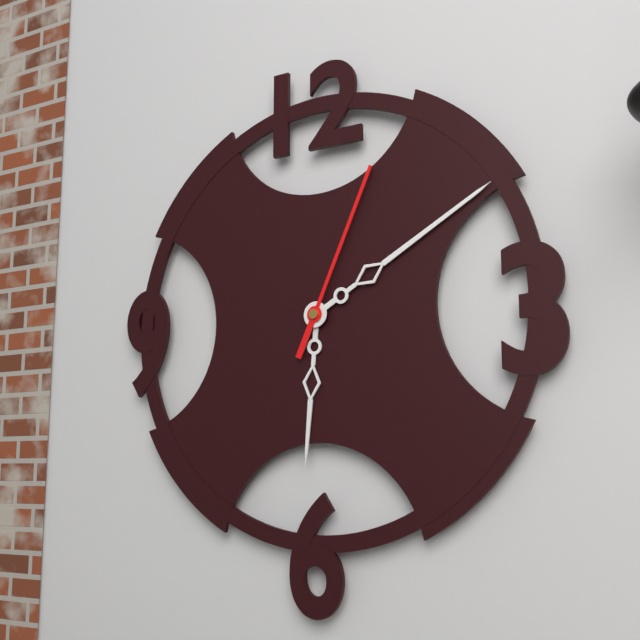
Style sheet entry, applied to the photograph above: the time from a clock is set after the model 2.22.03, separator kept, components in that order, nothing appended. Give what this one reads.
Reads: 6.10.04
